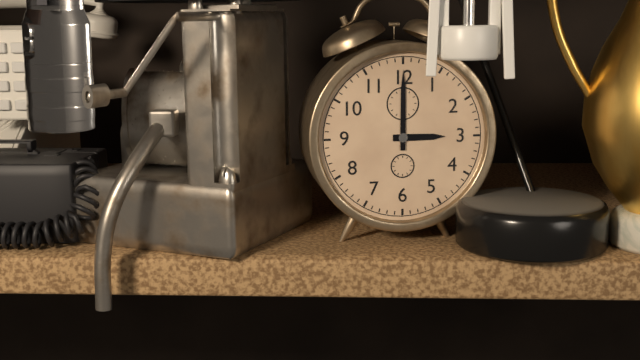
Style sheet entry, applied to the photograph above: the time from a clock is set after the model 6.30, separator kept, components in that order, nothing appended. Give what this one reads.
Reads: 3.00
